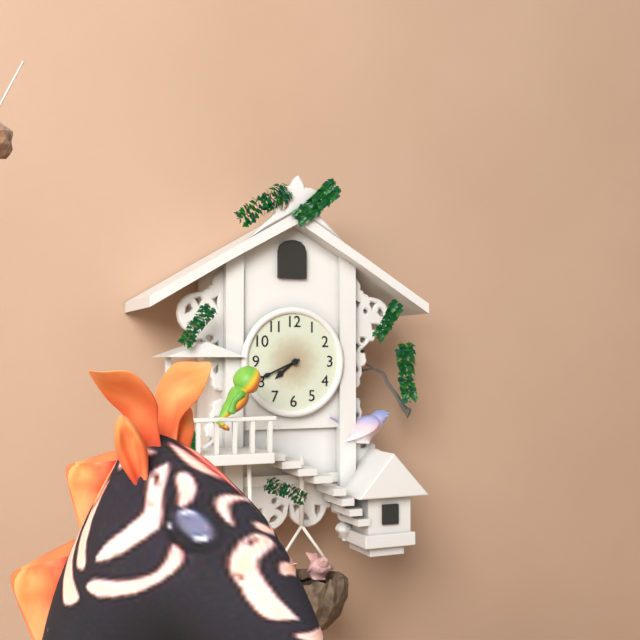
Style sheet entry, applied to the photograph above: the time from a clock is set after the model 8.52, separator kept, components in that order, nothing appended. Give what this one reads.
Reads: 7.41
